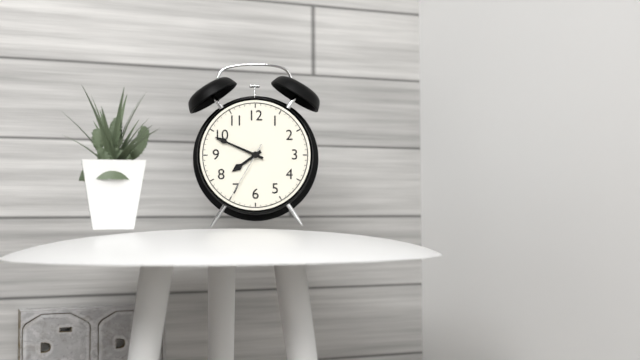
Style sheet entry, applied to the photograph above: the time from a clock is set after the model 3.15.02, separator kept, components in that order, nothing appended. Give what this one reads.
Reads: 7.49.35
